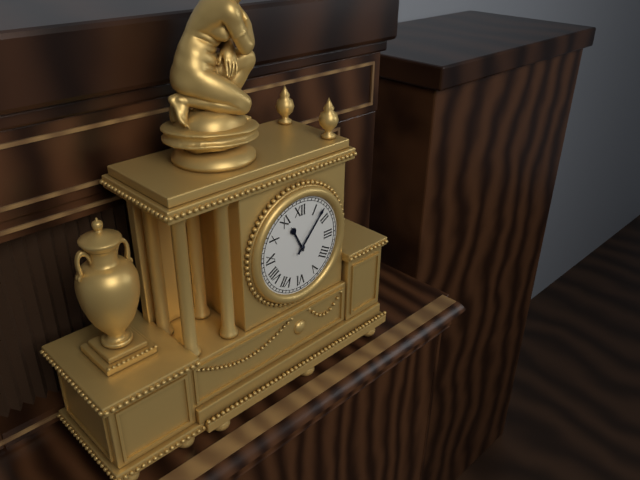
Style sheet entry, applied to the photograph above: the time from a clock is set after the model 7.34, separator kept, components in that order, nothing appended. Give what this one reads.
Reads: 11.07
